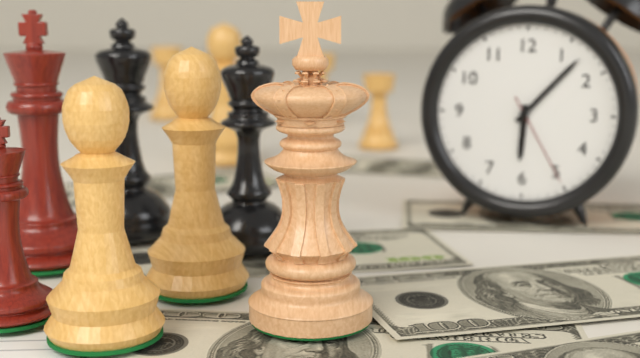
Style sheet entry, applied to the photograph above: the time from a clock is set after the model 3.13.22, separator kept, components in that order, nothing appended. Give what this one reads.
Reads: 6.07.25
